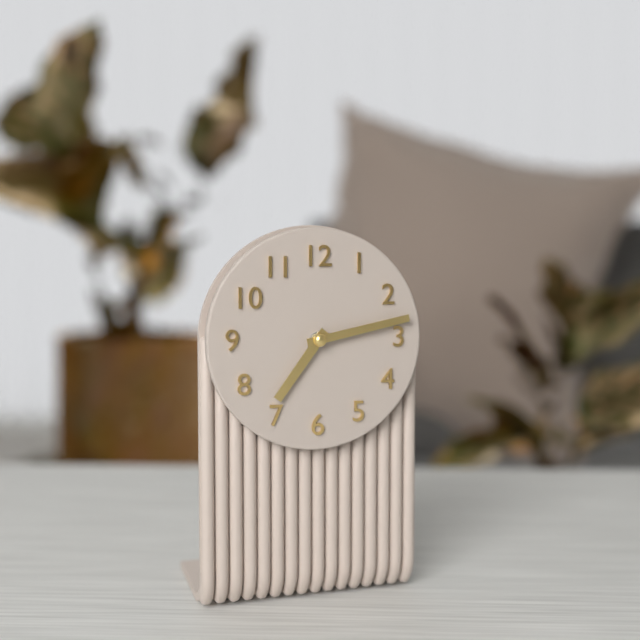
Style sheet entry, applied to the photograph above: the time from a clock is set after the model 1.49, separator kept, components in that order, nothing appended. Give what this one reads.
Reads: 7.13
